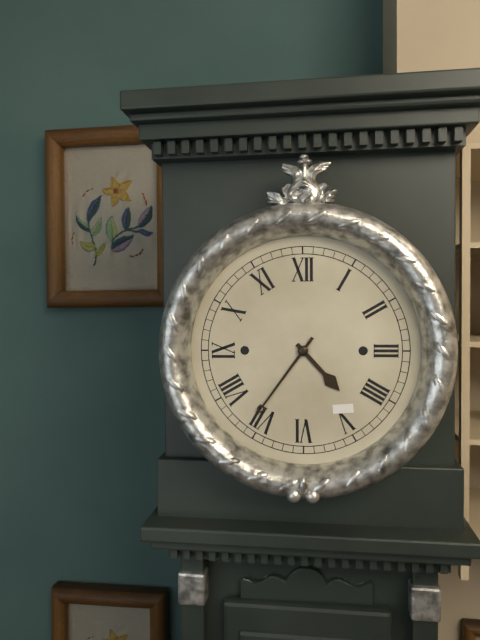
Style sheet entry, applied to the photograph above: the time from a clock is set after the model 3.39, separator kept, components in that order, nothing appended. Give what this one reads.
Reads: 4.36
